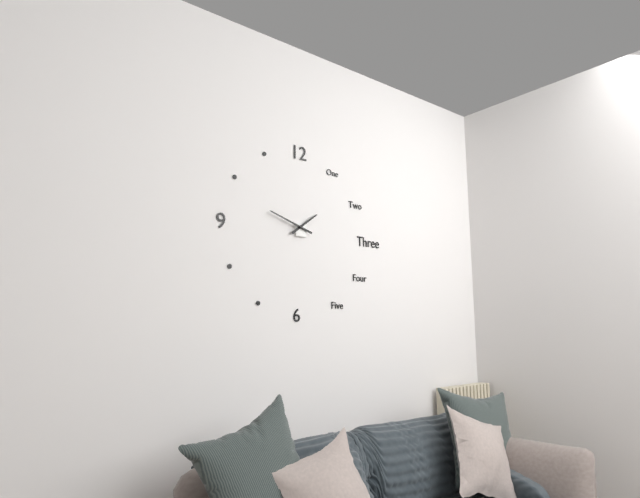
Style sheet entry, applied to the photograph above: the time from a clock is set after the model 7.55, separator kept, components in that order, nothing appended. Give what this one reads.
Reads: 1.48
